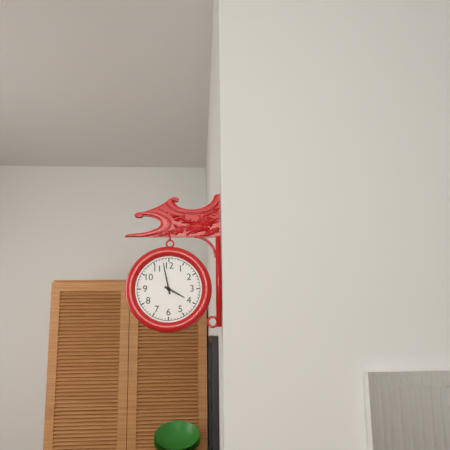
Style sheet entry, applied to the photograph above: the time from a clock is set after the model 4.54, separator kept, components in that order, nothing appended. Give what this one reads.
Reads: 3.58
